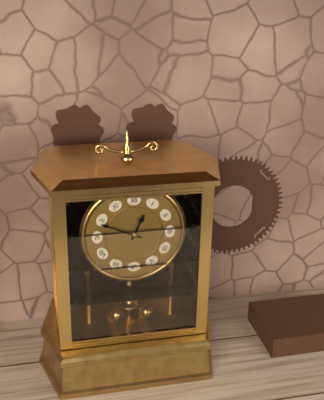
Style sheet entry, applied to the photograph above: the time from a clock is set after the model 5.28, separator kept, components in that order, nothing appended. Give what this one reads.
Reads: 12.49
